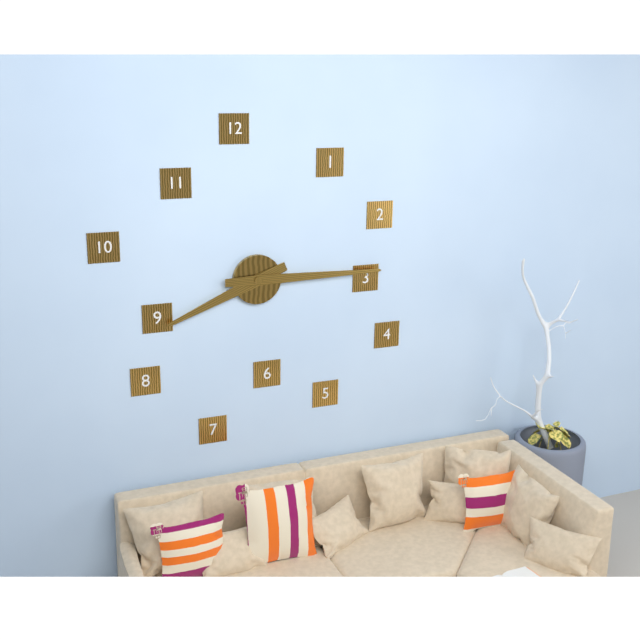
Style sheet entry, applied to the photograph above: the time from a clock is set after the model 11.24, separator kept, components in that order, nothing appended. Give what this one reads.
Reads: 8.15
